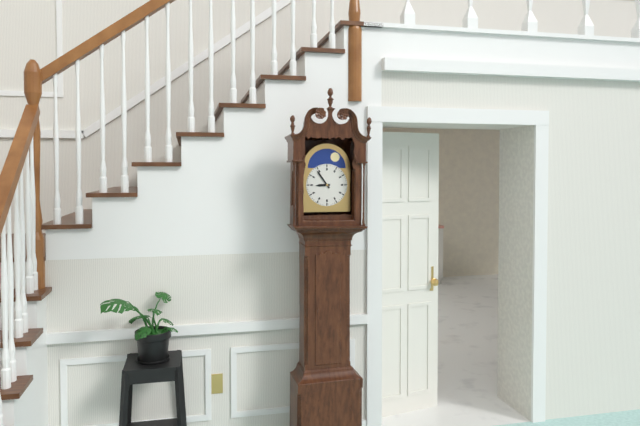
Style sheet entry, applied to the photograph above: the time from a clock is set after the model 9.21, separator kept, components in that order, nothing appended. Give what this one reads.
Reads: 8.54
